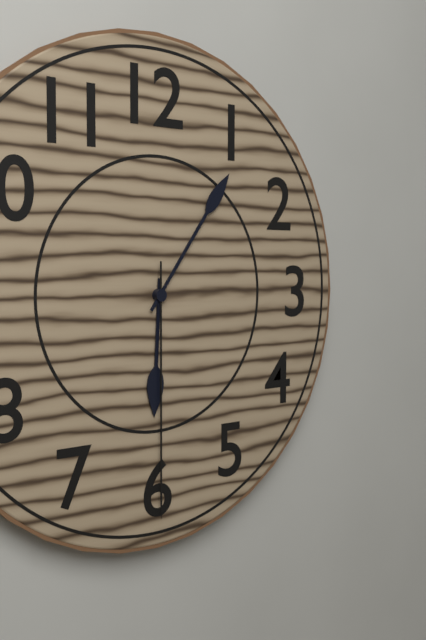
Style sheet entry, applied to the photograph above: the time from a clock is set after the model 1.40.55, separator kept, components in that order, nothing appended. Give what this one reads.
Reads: 6.06.30
